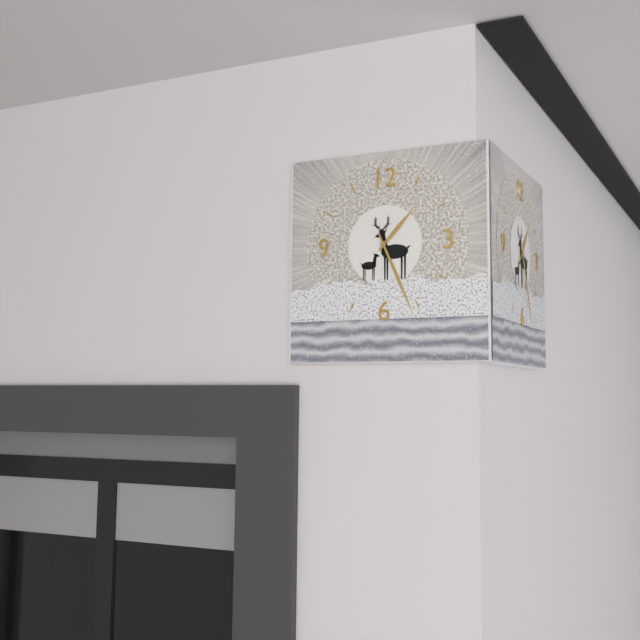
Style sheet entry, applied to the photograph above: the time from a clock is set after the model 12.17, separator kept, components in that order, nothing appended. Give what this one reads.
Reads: 1.26
